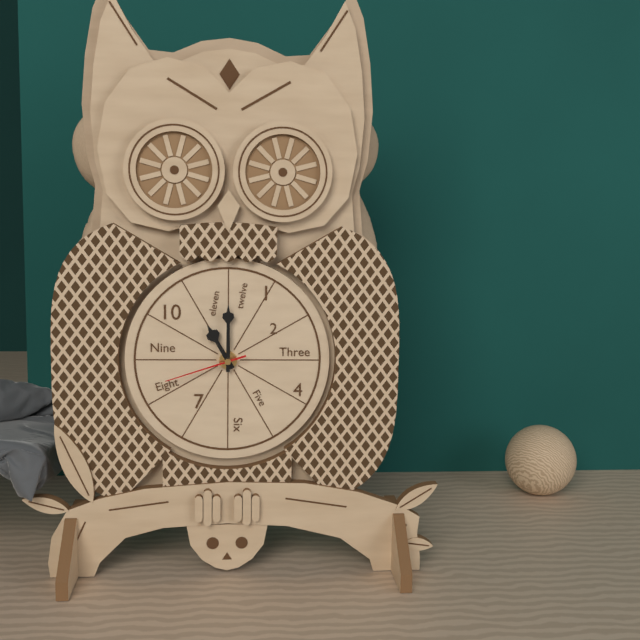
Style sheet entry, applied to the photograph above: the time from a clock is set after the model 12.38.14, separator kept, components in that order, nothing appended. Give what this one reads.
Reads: 11.00.42
